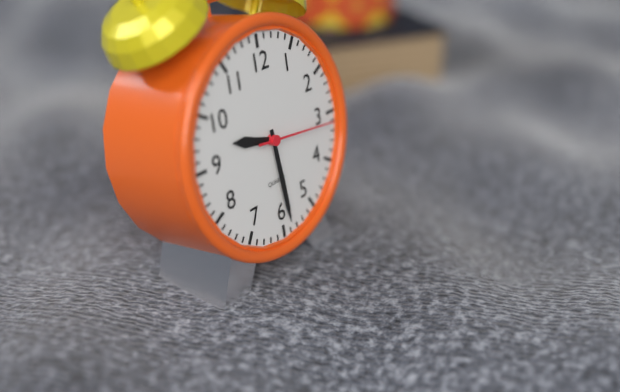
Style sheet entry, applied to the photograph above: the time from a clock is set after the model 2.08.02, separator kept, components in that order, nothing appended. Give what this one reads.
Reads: 9.29.16
